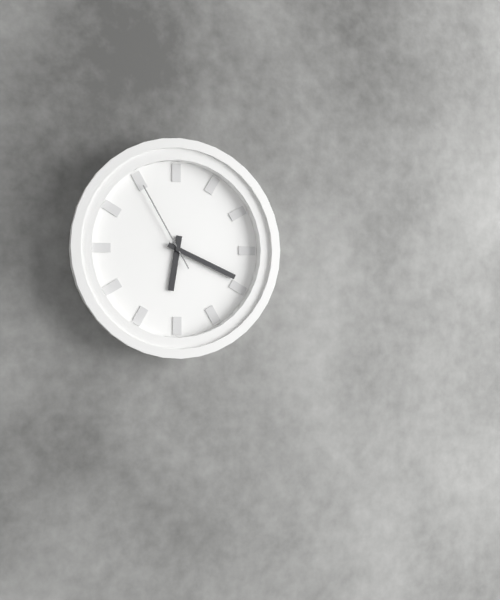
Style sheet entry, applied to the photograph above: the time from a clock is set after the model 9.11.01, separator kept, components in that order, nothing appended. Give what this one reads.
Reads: 6.19.55
